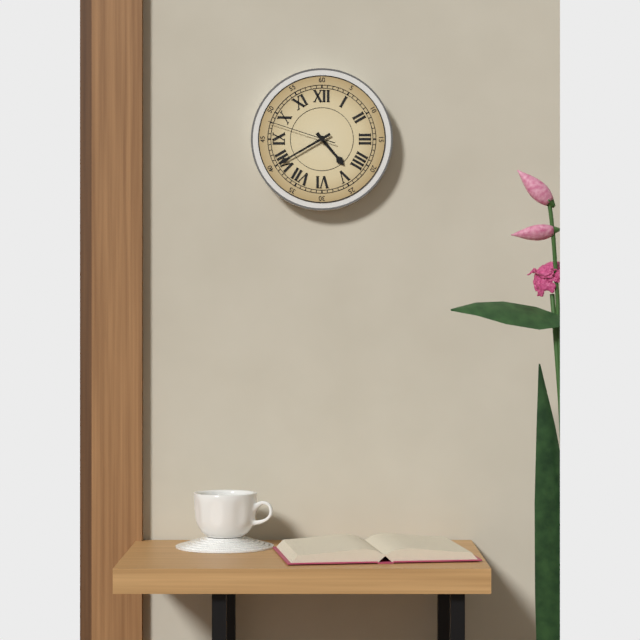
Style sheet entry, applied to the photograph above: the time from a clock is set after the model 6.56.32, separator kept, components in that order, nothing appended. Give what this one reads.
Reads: 4.40.48
